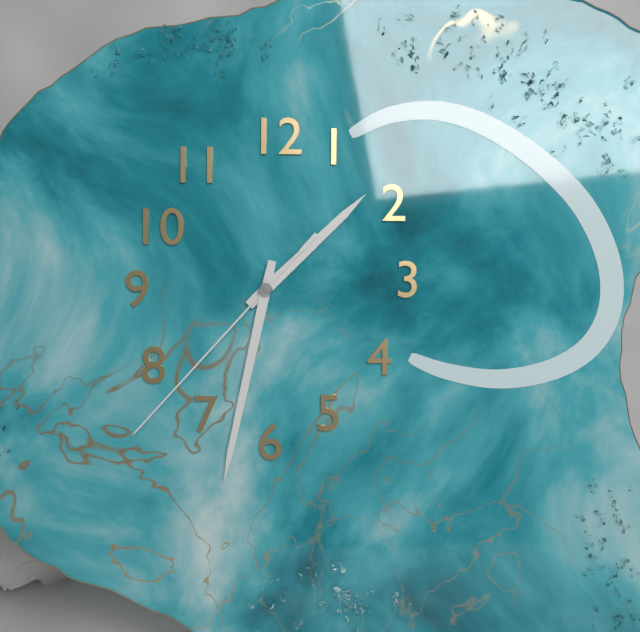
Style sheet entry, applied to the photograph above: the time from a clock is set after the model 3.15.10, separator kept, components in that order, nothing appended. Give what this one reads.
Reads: 1.32.37
